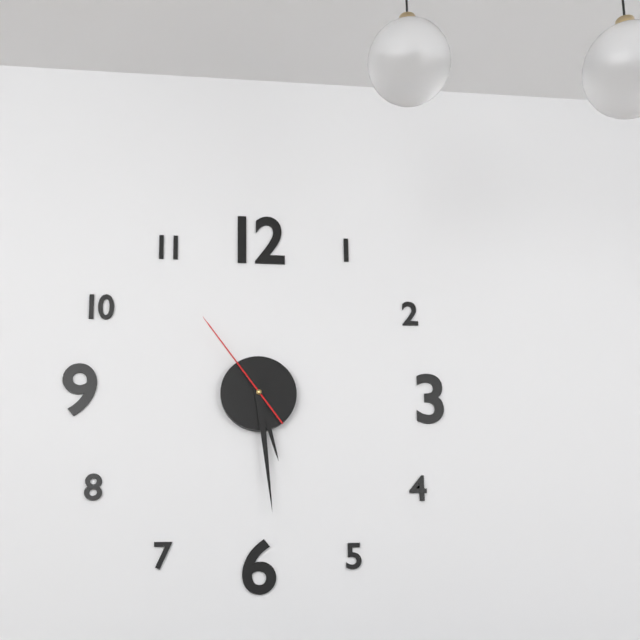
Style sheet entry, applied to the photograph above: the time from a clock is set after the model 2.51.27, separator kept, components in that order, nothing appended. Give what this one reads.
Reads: 5.29.54
